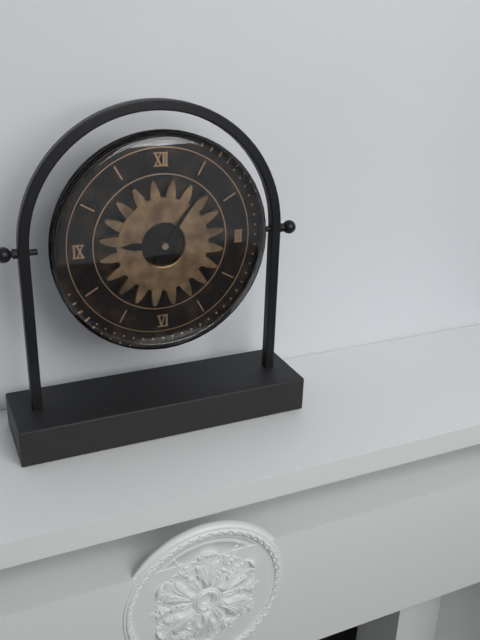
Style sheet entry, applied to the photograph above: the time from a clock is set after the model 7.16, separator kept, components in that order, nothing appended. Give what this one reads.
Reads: 9.06
